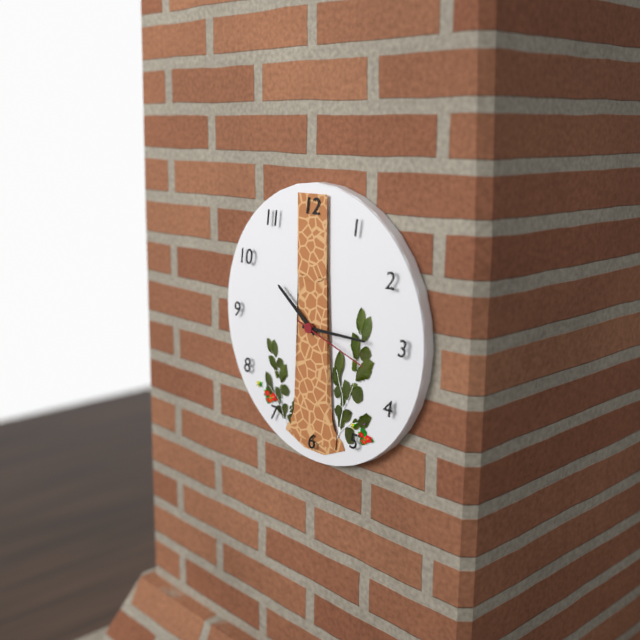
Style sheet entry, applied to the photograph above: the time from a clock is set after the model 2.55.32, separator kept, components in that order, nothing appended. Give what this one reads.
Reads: 10.15.18
